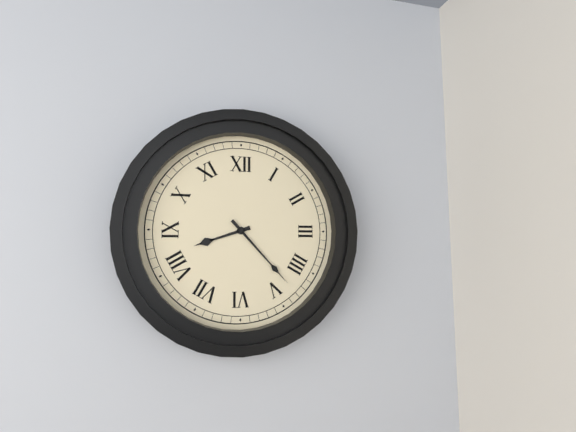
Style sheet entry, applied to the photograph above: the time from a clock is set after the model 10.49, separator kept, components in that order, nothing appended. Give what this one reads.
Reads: 8.23
